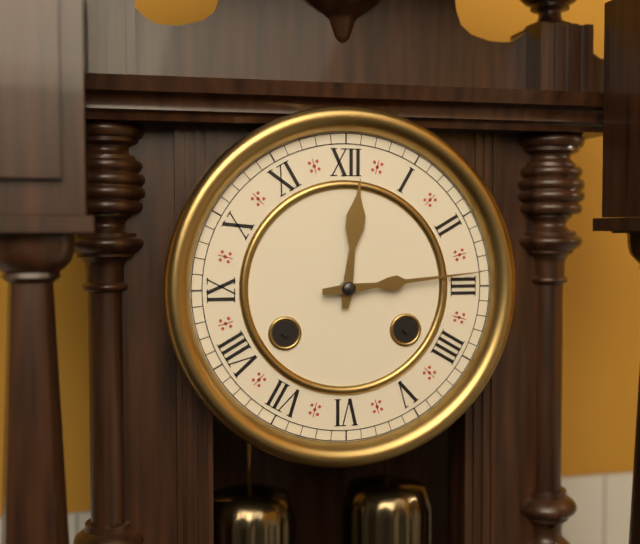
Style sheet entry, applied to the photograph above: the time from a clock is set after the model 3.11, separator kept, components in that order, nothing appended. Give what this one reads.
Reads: 12.14
